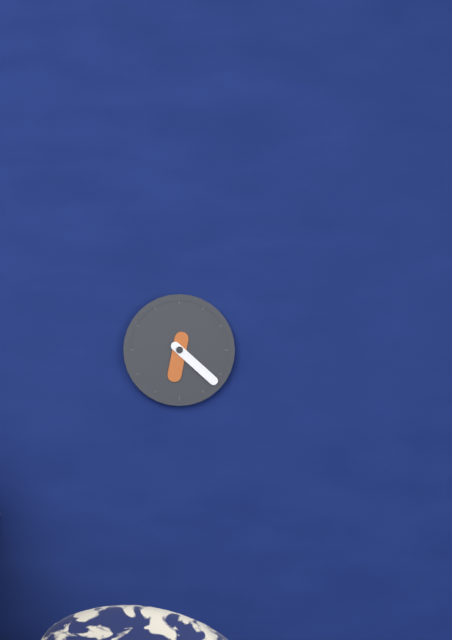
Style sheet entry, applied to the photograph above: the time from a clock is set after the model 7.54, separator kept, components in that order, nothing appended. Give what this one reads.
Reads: 6.22
